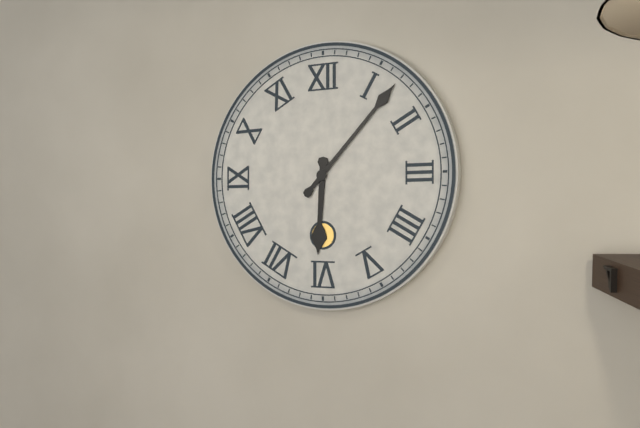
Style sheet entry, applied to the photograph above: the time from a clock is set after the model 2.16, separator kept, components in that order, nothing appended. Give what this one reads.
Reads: 6.07
